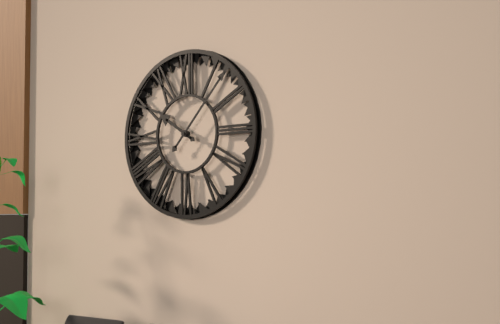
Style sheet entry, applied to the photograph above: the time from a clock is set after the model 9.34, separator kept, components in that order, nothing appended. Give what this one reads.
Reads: 10.07
